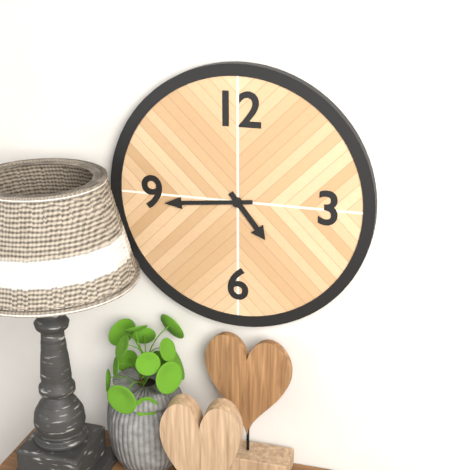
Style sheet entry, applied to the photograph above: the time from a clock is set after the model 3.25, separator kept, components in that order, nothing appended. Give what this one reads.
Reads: 4.44
